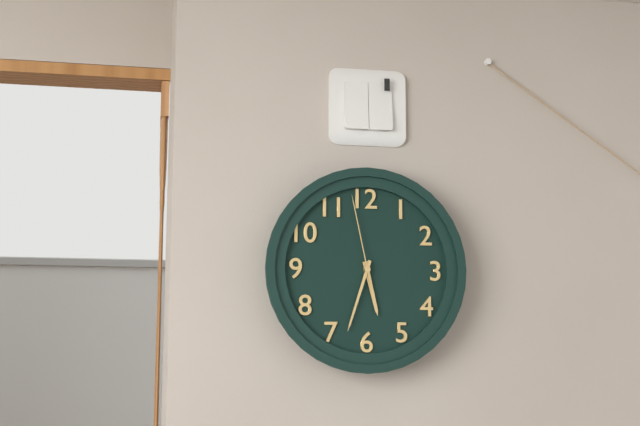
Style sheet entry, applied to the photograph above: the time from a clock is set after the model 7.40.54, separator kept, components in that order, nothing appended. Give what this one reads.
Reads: 5.33.58
